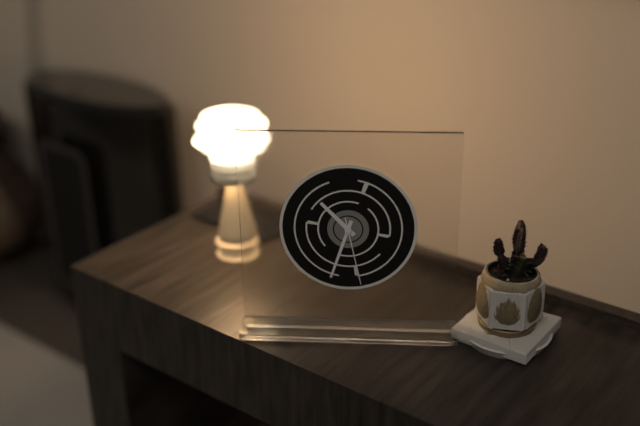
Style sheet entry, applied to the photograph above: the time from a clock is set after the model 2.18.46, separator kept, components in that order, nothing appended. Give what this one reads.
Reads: 10.33.28
